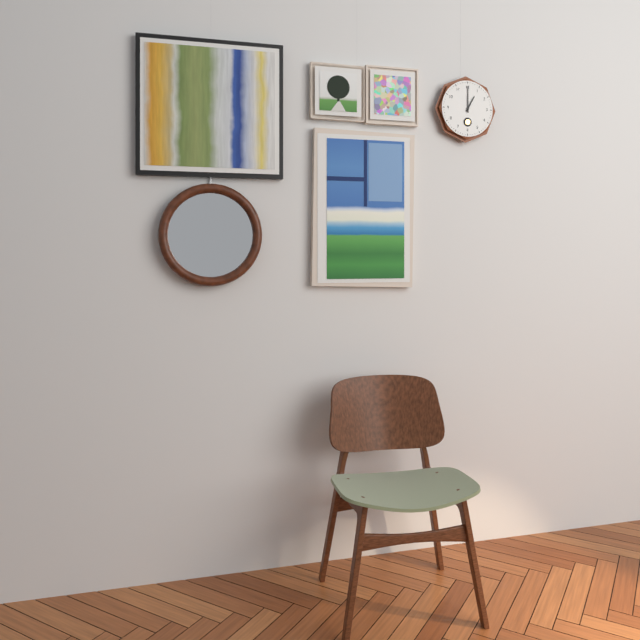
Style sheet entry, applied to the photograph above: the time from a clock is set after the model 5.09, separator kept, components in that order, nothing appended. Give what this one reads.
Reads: 1.00
